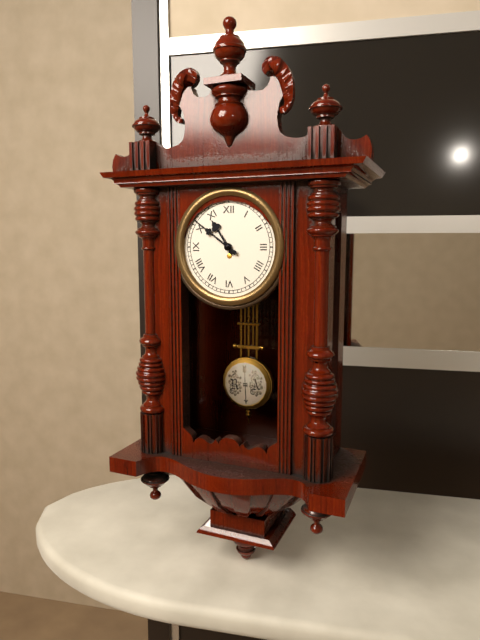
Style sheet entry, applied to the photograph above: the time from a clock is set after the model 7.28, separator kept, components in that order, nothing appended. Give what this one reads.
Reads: 10.51
